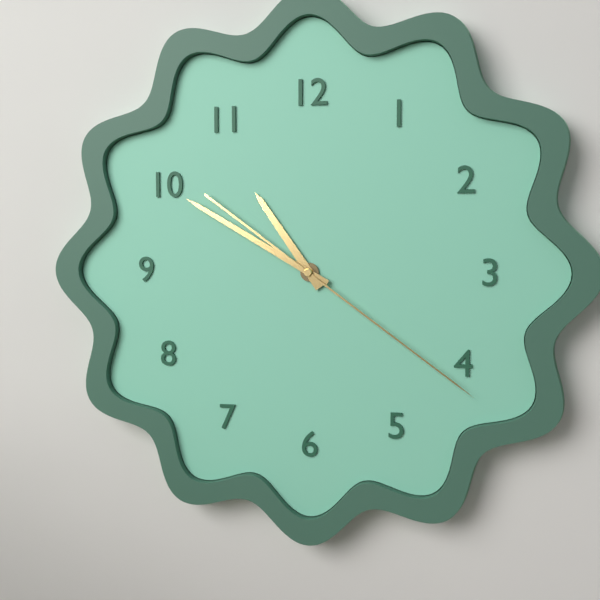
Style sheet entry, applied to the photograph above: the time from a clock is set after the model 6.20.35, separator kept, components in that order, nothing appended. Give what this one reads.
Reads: 10.50.21
